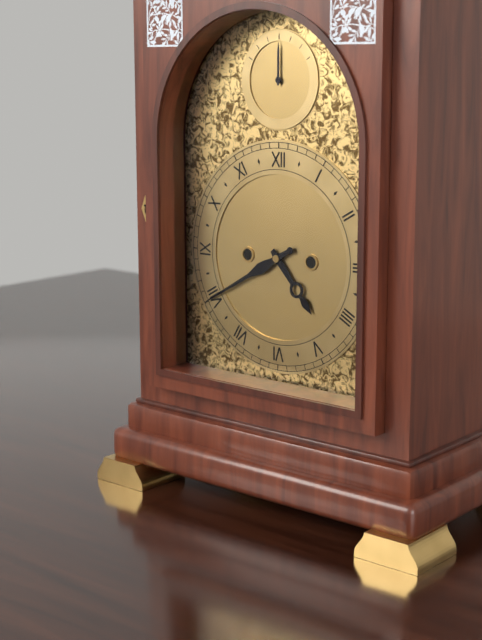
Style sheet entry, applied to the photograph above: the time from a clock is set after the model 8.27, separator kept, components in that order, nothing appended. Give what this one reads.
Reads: 4.40
